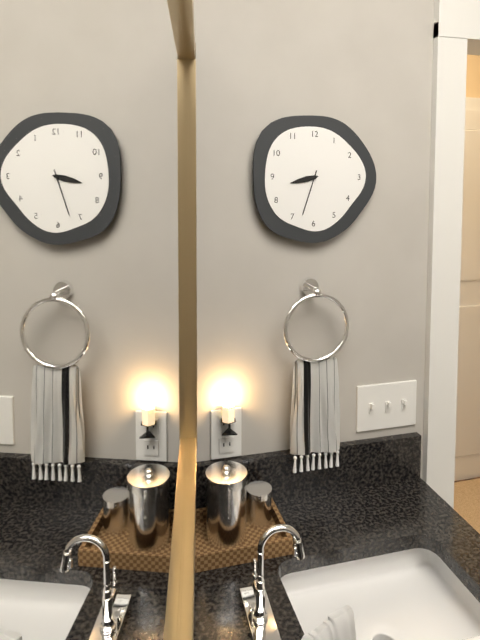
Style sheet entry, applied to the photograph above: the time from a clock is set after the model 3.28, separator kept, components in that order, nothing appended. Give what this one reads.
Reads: 8.33
